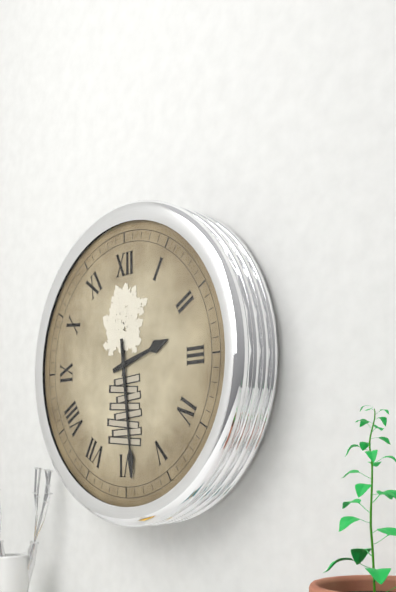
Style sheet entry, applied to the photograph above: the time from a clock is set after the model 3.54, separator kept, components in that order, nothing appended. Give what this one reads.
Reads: 2.29
